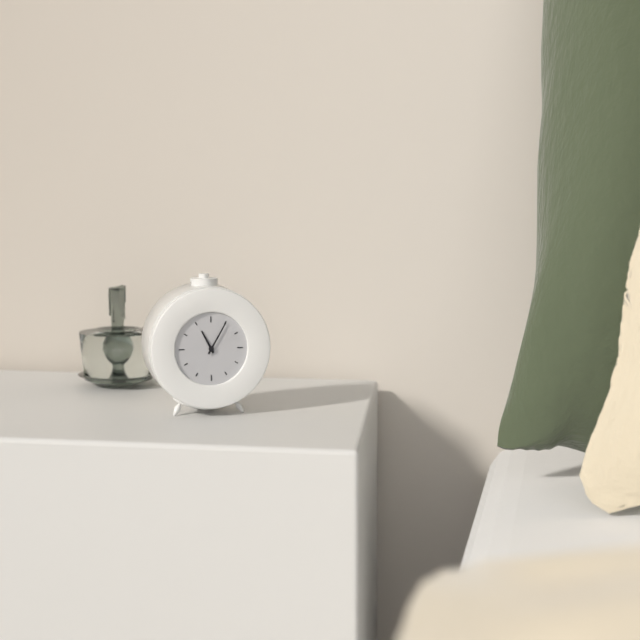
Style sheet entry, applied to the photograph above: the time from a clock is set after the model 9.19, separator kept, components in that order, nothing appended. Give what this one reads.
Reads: 11.05
